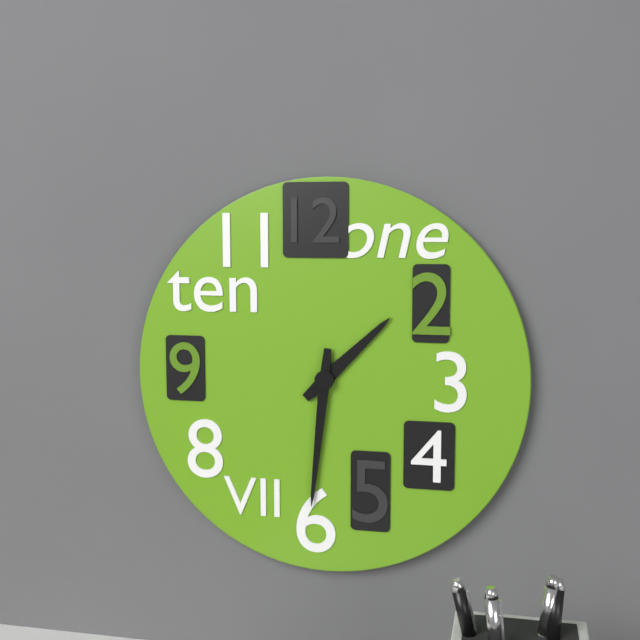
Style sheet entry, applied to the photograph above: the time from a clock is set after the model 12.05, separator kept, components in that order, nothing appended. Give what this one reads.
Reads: 1.31
